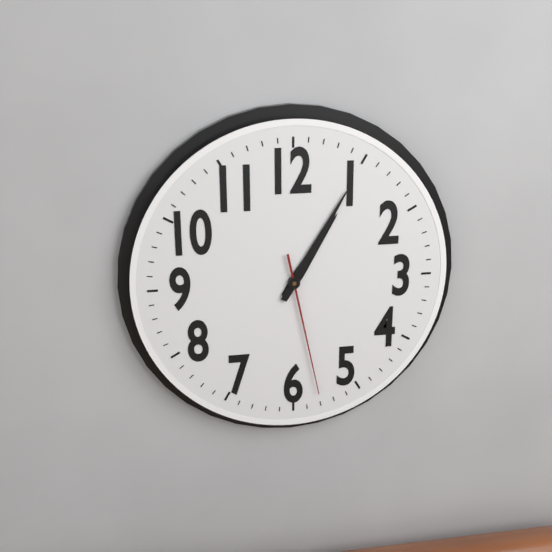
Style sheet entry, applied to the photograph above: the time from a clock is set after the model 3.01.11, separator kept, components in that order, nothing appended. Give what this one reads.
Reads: 1.05.28
